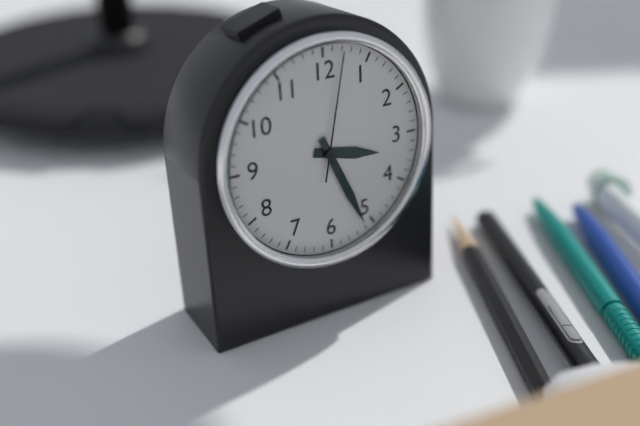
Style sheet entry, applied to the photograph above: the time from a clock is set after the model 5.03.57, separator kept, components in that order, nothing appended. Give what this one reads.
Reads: 3.26.02
